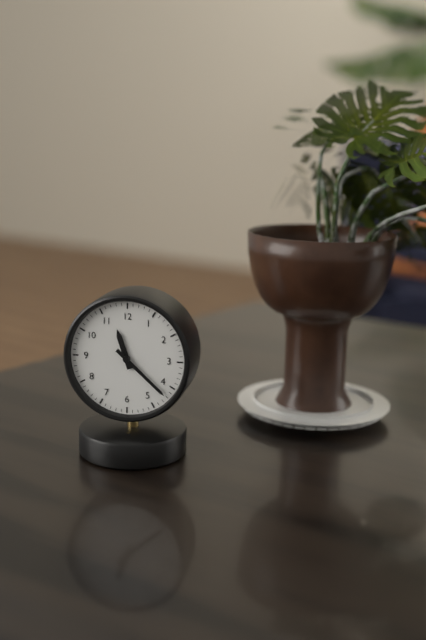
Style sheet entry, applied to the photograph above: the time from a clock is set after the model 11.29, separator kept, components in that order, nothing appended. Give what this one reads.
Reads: 11.22
